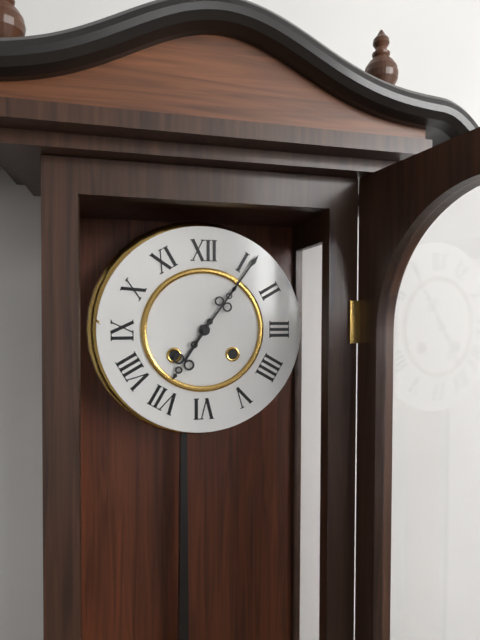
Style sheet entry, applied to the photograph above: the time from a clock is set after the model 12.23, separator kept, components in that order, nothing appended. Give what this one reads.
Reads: 7.06
